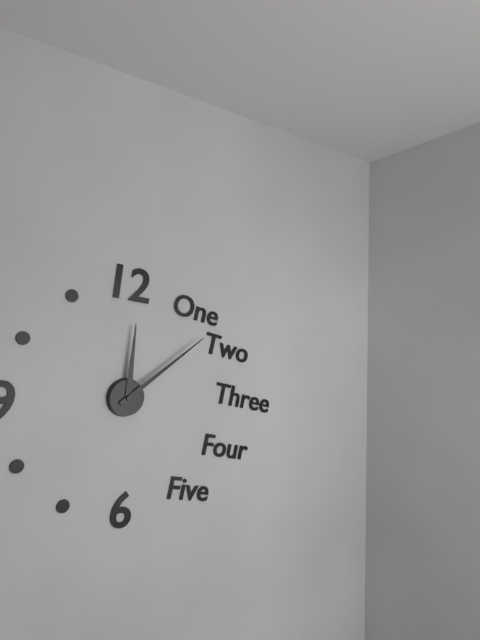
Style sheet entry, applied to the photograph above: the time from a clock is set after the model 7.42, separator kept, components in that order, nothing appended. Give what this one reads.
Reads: 12.09
